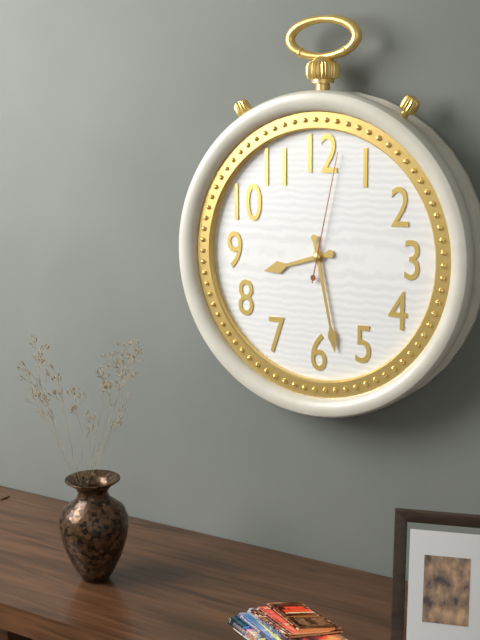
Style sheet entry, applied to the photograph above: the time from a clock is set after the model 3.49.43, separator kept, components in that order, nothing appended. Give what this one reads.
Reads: 8.28.02
